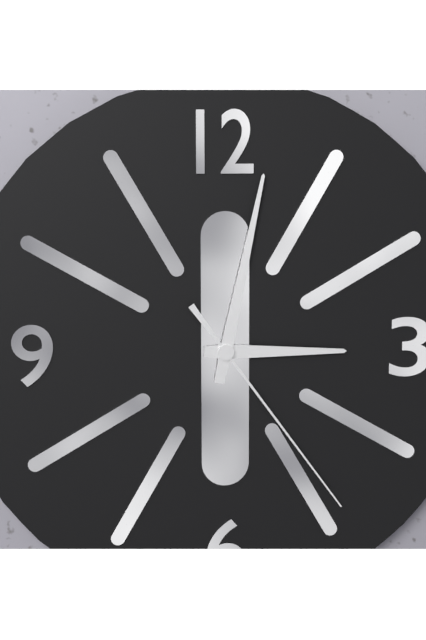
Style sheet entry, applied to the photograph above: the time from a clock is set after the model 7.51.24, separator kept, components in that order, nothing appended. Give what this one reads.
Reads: 3.02.24
